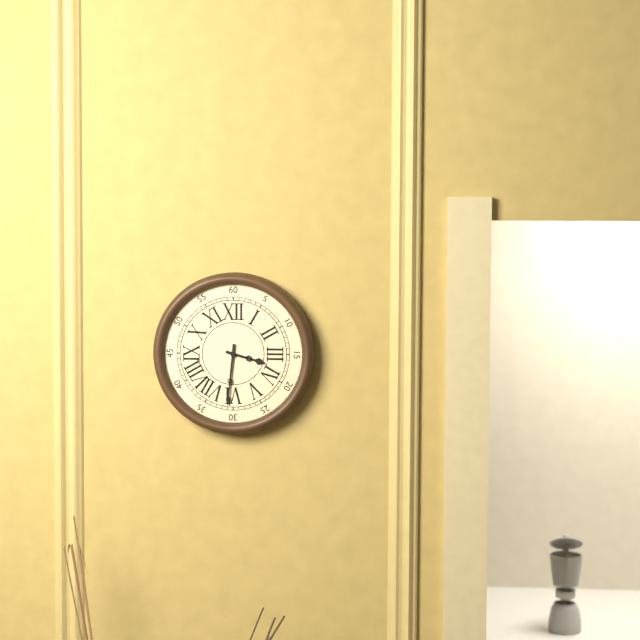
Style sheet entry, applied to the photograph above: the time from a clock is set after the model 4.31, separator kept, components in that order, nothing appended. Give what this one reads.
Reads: 3.31
